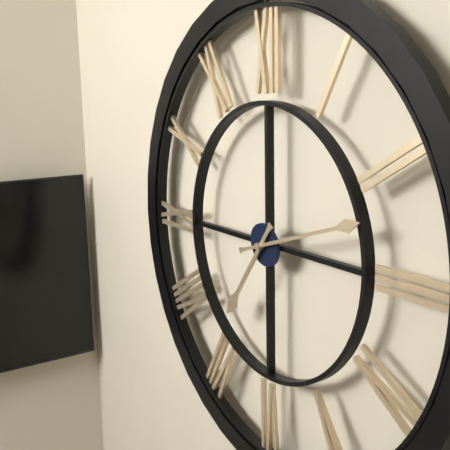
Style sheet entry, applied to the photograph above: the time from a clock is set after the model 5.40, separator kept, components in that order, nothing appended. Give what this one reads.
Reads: 7.12
